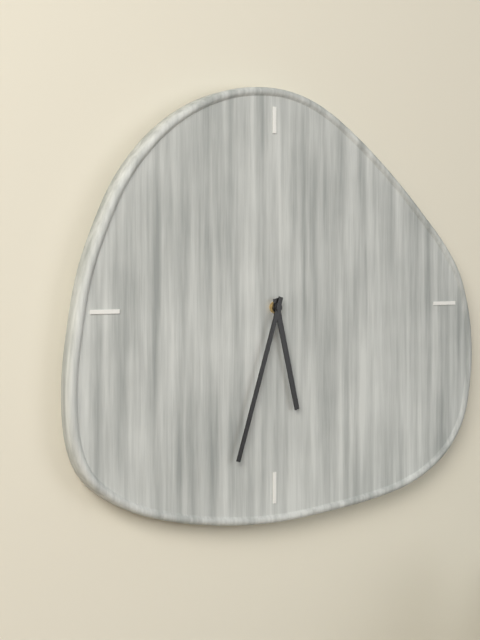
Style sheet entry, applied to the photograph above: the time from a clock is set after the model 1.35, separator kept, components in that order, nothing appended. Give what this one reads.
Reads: 5.33
